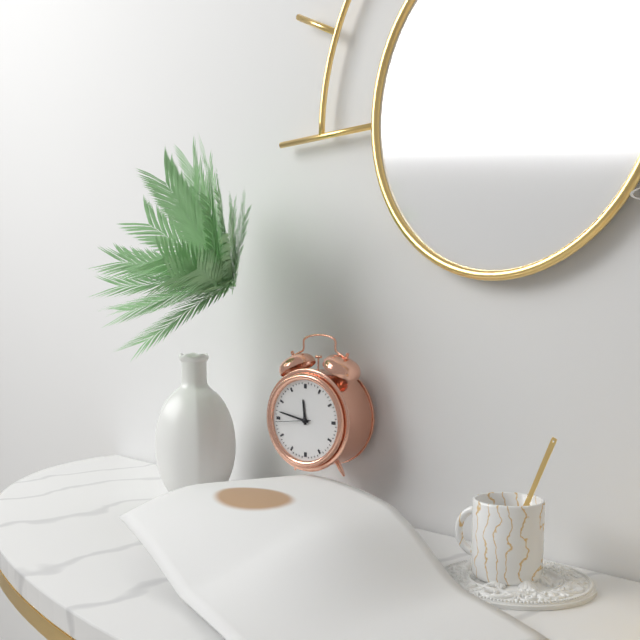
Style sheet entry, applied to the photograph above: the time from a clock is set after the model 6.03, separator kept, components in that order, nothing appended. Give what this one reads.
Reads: 11.47
